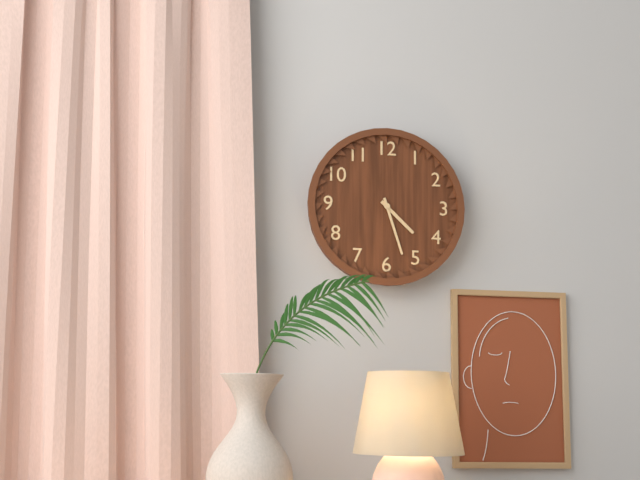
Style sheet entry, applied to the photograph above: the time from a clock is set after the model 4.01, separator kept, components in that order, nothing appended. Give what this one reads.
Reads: 4.27
